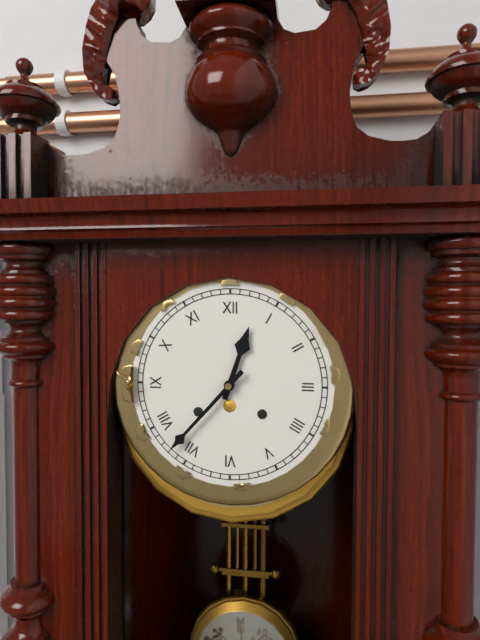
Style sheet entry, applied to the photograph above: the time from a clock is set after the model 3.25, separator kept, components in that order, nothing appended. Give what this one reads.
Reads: 12.37
